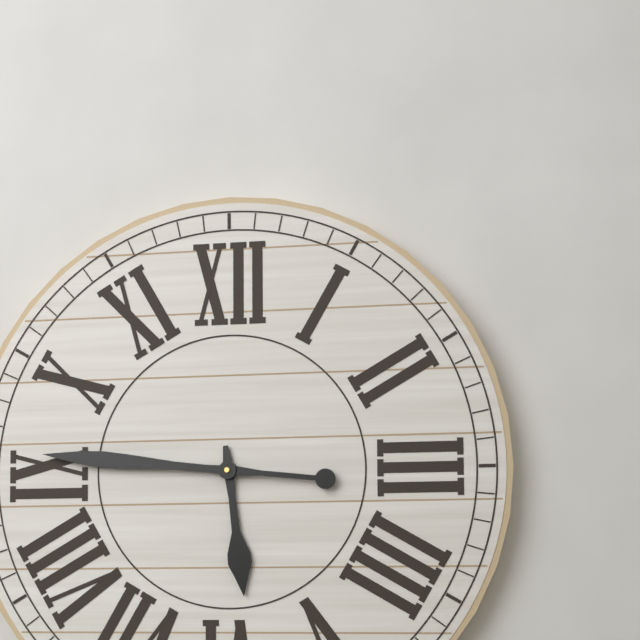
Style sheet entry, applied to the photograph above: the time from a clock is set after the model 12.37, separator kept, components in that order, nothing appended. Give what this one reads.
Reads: 5.46
